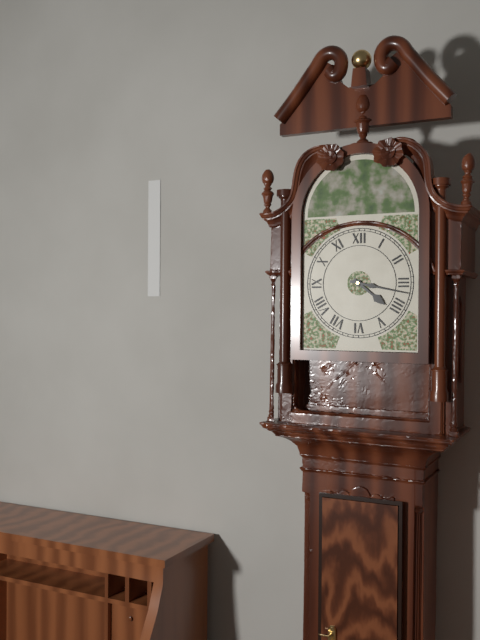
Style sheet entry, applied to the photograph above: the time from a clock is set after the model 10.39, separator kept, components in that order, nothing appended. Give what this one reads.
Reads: 4.17
